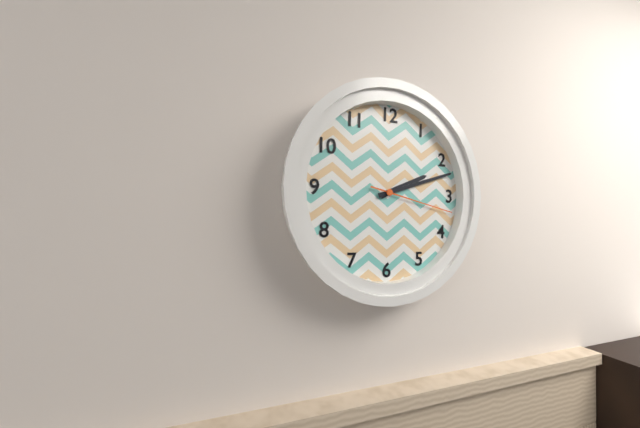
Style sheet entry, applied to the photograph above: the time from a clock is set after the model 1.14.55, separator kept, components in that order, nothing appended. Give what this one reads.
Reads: 2.12.17
